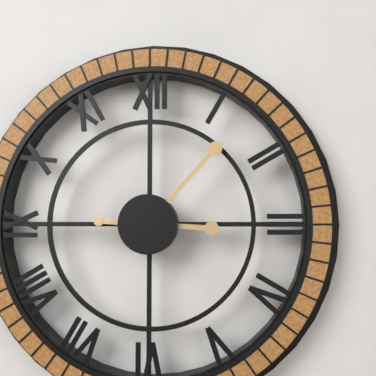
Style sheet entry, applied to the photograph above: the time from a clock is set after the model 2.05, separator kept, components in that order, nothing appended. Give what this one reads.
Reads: 3.07
